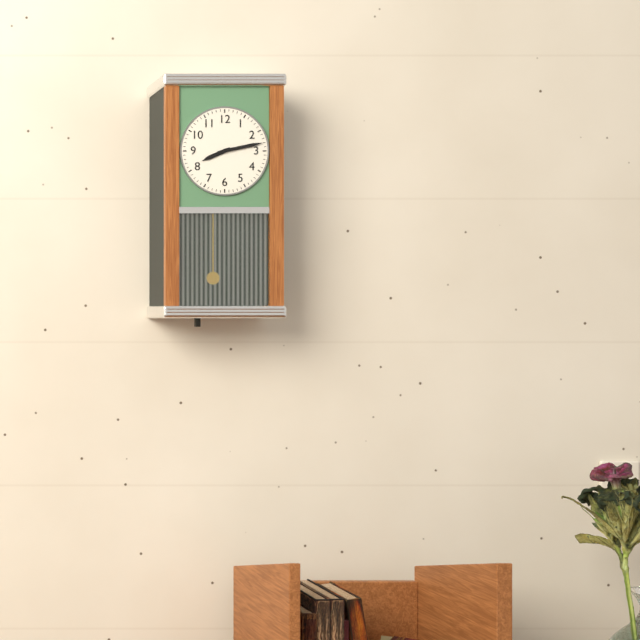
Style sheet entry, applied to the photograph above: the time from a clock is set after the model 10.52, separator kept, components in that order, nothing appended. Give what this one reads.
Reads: 8.13
